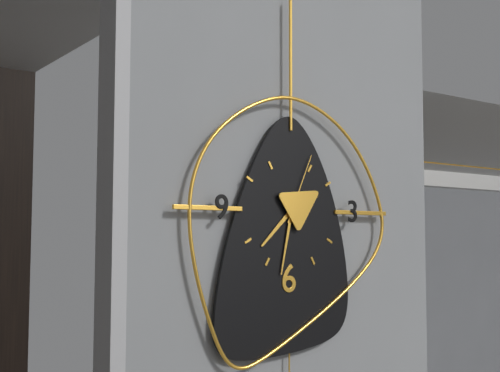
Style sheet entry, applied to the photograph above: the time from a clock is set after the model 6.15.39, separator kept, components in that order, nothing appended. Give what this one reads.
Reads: 7.32.04
